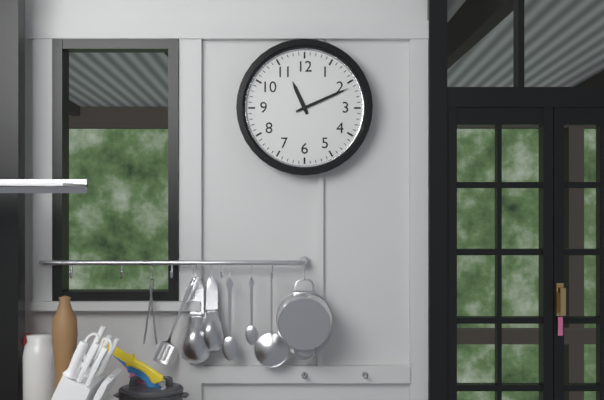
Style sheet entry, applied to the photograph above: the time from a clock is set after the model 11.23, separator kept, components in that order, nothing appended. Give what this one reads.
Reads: 11.11
